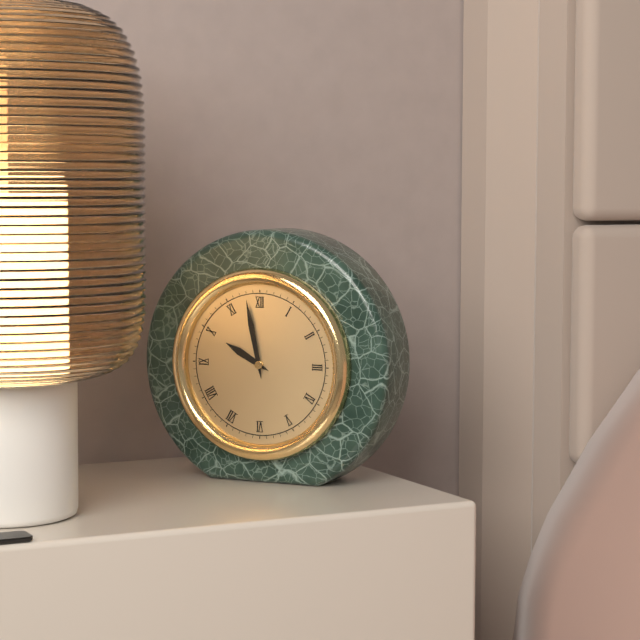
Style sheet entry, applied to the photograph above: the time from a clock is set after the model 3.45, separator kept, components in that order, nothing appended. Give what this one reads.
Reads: 9.58
